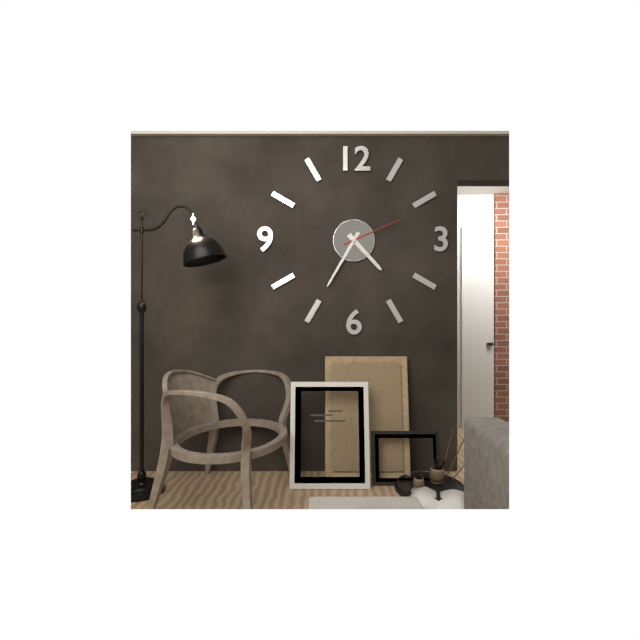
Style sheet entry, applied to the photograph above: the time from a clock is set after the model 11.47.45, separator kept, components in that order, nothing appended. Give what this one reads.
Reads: 4.35.11
